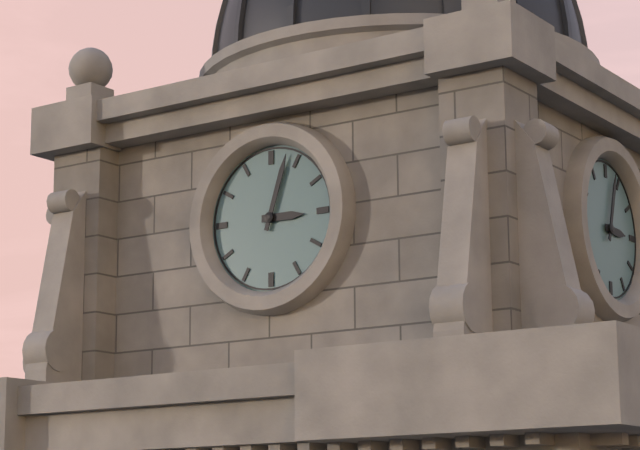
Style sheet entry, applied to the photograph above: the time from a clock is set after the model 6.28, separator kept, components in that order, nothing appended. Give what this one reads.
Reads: 3.03
